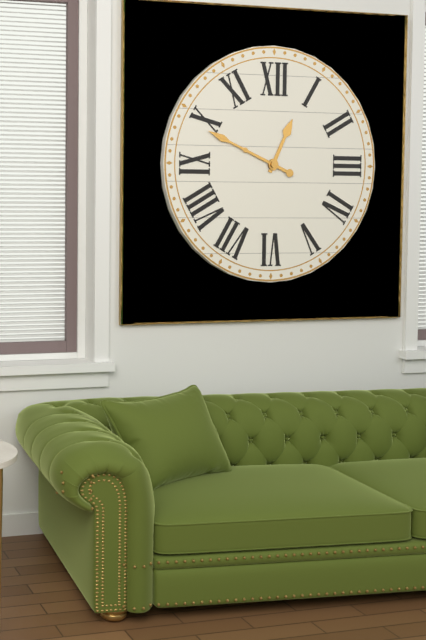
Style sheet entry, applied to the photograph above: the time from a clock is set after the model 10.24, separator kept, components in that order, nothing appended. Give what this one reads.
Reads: 12.49
